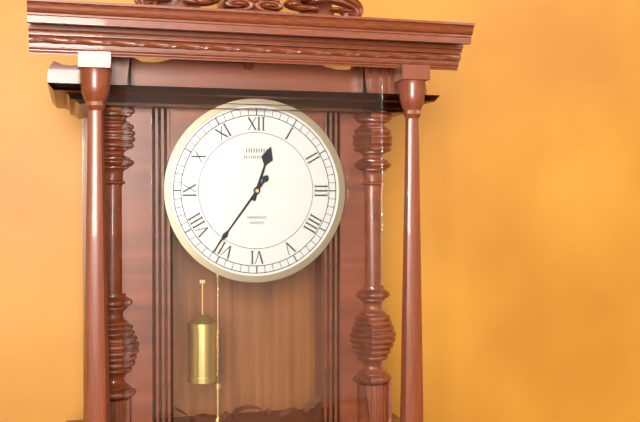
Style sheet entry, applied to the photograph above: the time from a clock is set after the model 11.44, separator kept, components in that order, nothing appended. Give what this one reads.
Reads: 12.36
